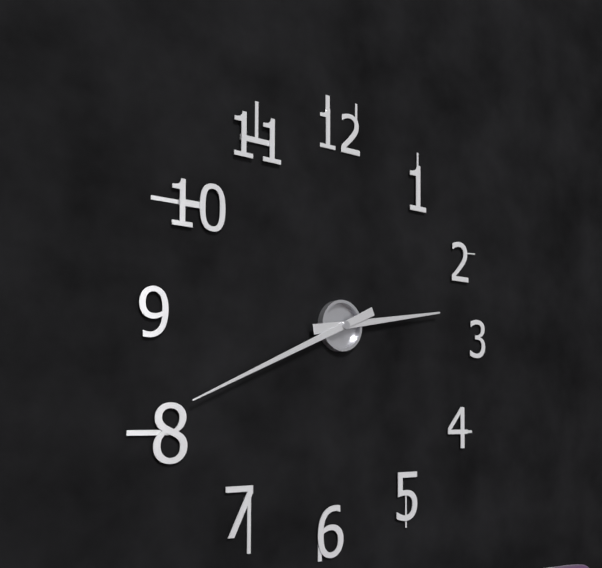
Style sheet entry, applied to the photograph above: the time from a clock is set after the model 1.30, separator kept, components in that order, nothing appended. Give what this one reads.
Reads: 2.41
